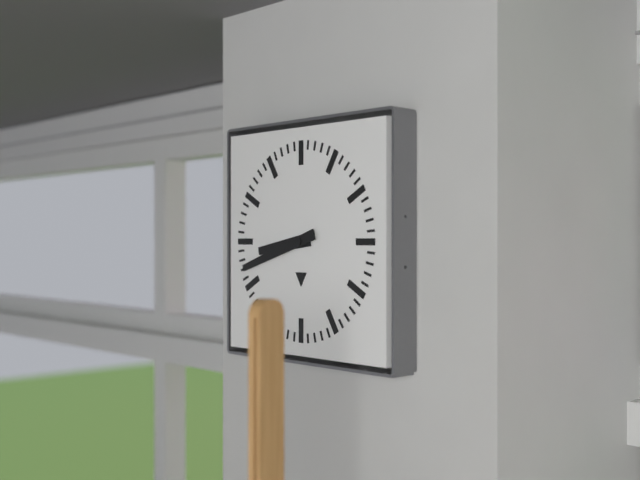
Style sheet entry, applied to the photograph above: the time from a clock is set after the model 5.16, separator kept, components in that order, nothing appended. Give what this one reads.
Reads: 8.42
